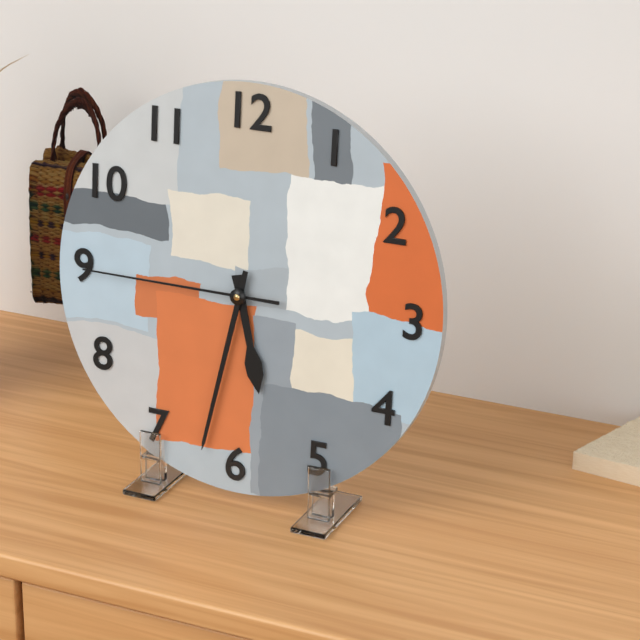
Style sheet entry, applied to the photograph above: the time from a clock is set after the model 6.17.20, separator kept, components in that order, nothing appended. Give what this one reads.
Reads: 5.32.45
